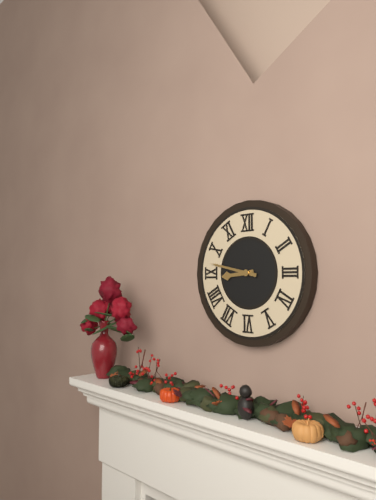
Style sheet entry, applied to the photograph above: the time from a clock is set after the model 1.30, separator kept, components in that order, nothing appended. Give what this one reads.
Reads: 8.47
